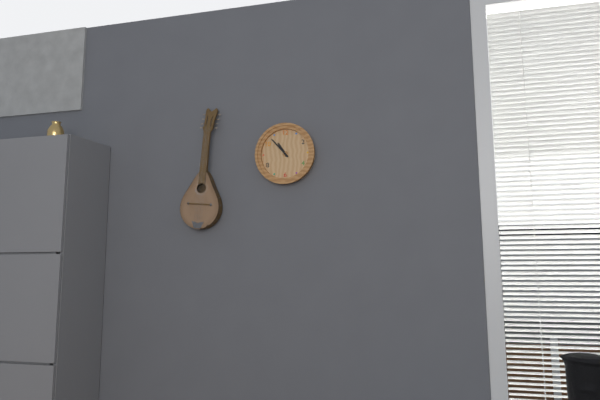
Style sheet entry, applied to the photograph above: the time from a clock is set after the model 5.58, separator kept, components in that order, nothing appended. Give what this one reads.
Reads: 10.53
